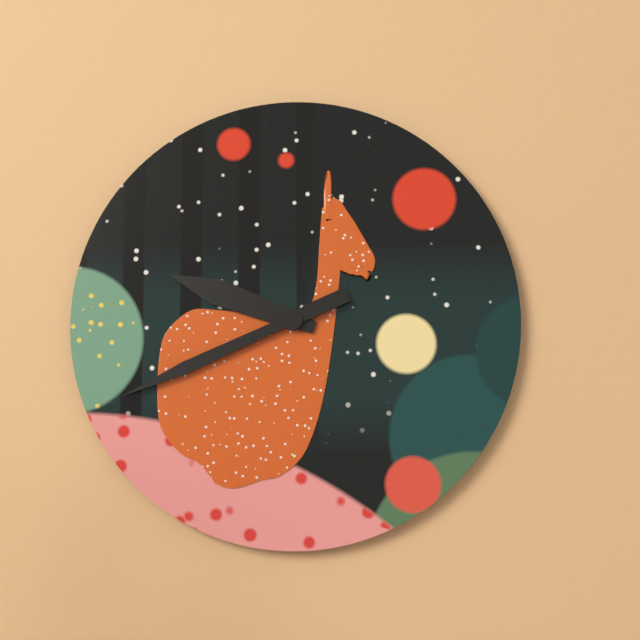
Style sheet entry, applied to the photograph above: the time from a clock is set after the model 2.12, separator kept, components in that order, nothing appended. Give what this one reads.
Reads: 9.41
